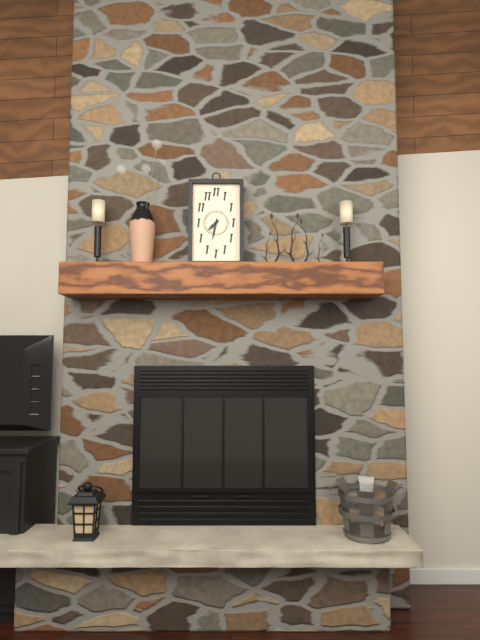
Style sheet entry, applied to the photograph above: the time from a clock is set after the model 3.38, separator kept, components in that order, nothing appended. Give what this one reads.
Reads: 7.32
